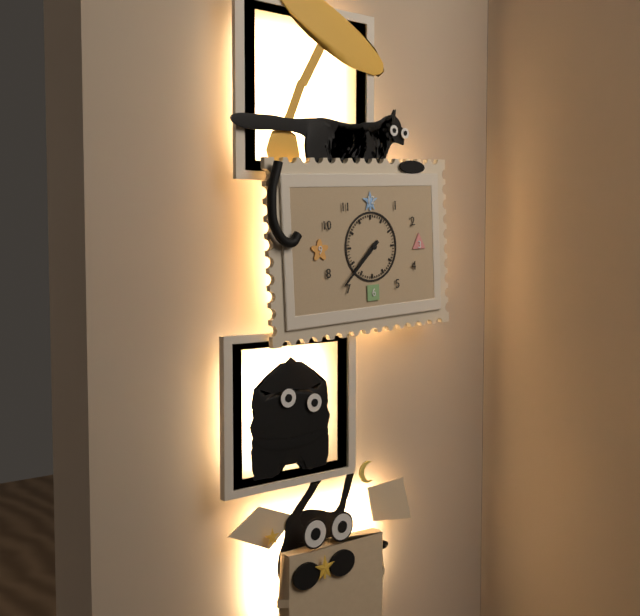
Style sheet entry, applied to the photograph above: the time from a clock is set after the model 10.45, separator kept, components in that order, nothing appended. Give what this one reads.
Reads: 7.38
